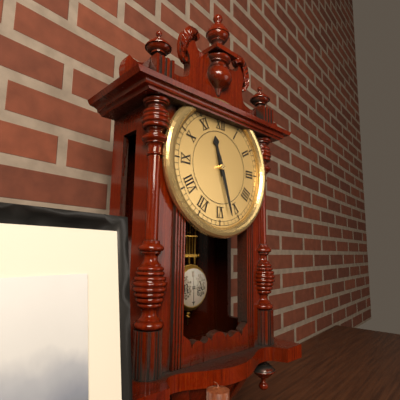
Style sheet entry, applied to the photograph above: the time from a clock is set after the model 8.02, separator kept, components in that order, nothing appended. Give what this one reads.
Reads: 11.27
